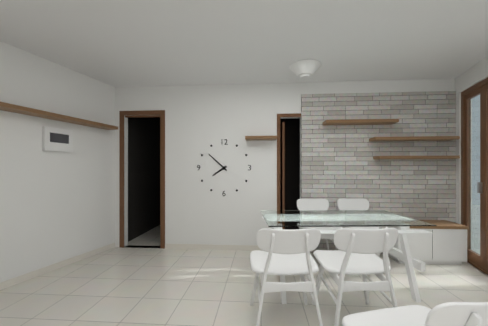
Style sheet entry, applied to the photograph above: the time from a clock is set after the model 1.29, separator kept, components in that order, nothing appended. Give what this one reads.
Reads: 7.52
